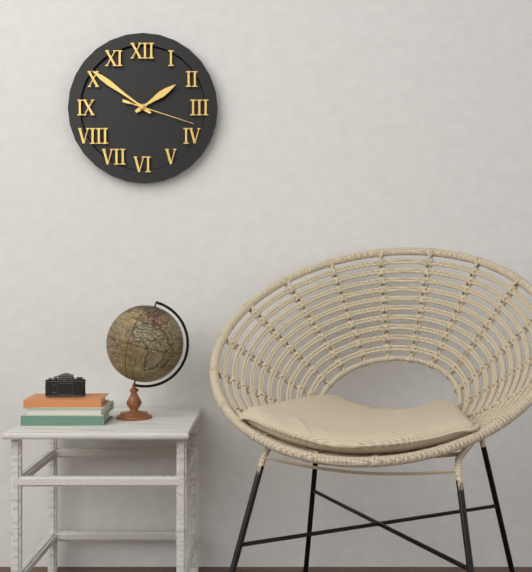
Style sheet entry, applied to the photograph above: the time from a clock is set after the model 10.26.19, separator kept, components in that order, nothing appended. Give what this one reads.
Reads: 1.51.18
